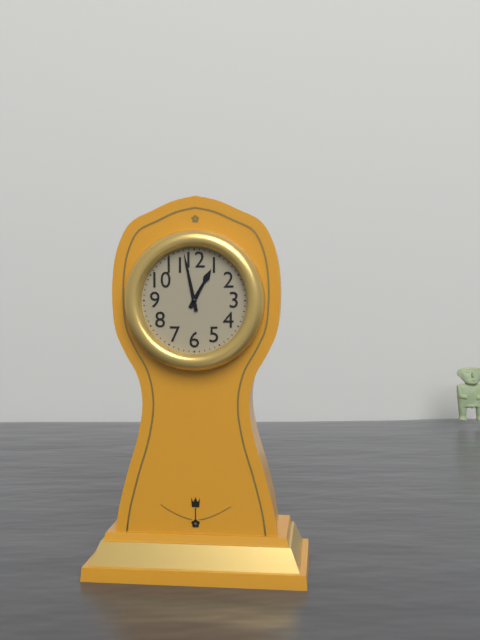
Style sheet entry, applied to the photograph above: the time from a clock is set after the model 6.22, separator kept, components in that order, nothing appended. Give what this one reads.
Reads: 12.58
